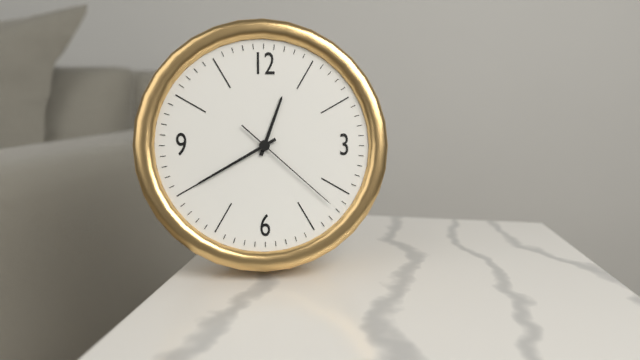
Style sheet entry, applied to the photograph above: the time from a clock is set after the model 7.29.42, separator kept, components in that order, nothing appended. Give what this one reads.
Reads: 12.40.22
